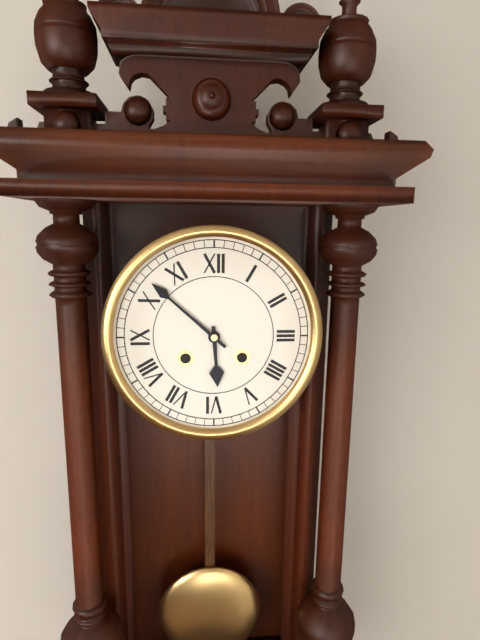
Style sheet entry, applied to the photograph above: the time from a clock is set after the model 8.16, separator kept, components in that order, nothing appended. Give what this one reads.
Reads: 5.52
